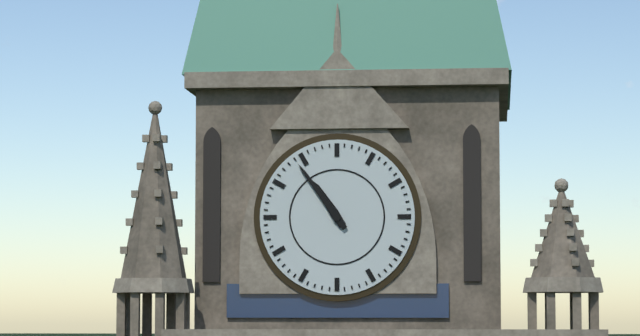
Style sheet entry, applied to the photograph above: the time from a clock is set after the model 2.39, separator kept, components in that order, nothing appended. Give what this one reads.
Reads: 10.54
